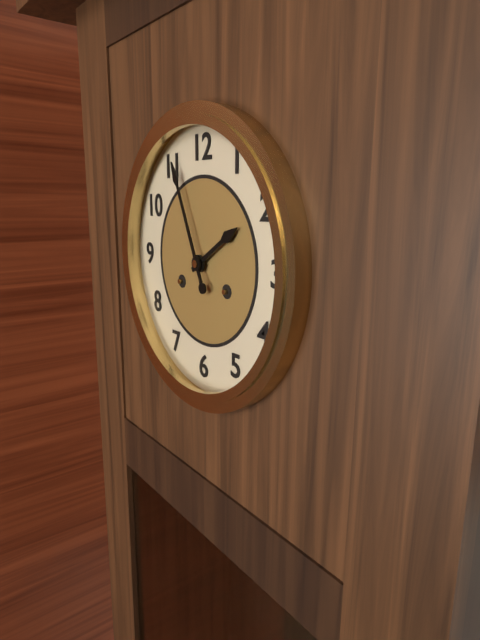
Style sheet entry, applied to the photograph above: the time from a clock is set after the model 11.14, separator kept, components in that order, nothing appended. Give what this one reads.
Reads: 1.56
